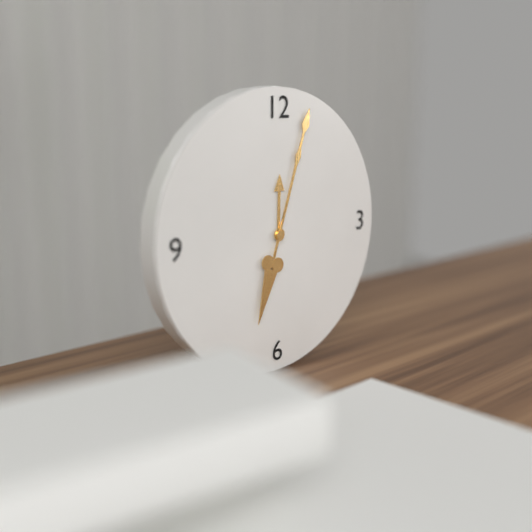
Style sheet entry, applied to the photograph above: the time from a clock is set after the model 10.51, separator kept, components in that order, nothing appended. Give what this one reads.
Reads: 12.03
